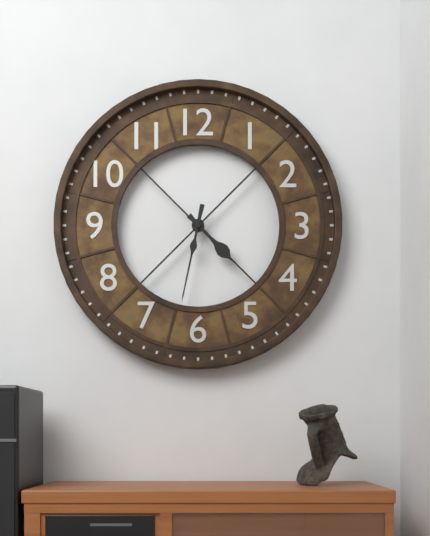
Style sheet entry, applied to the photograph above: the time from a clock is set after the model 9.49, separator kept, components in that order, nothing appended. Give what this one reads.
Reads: 4.32
